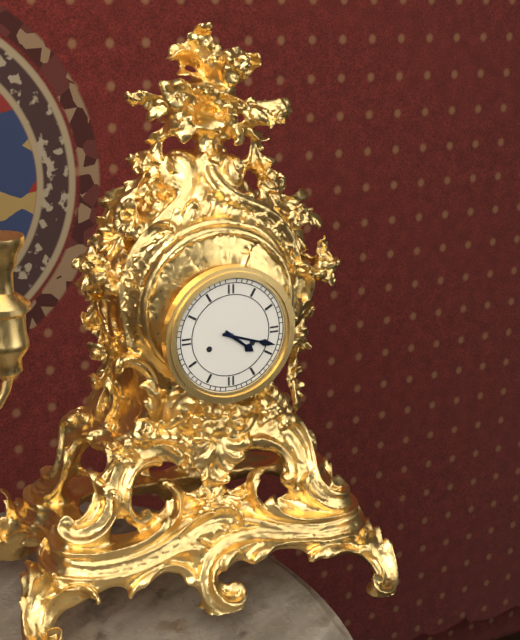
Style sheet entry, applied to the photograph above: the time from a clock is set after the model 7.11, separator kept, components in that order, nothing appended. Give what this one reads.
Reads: 4.18
